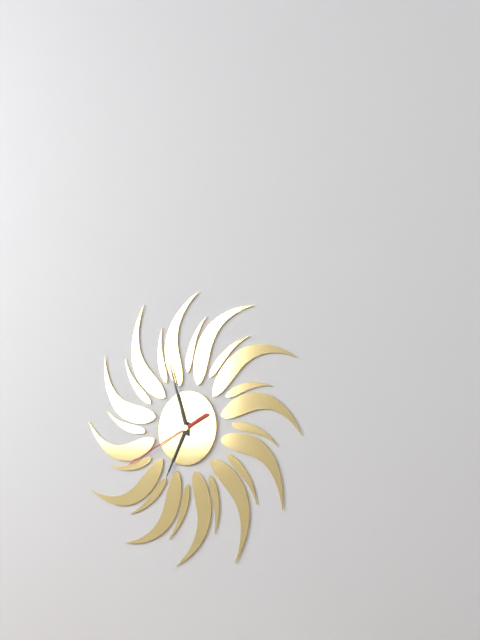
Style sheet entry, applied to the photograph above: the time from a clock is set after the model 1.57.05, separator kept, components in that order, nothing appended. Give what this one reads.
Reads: 6.57.41
